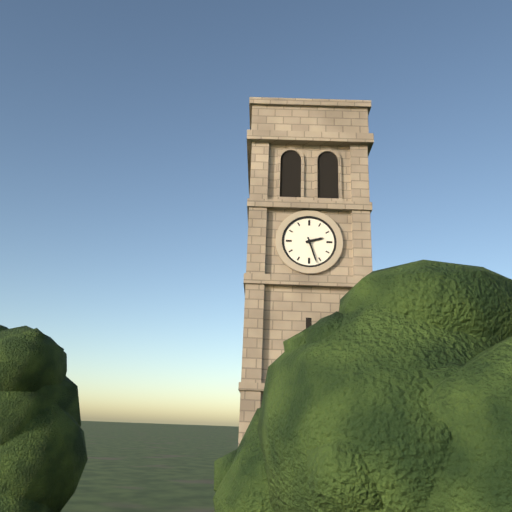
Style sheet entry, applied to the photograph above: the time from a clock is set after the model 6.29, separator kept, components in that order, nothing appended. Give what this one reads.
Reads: 2.27
